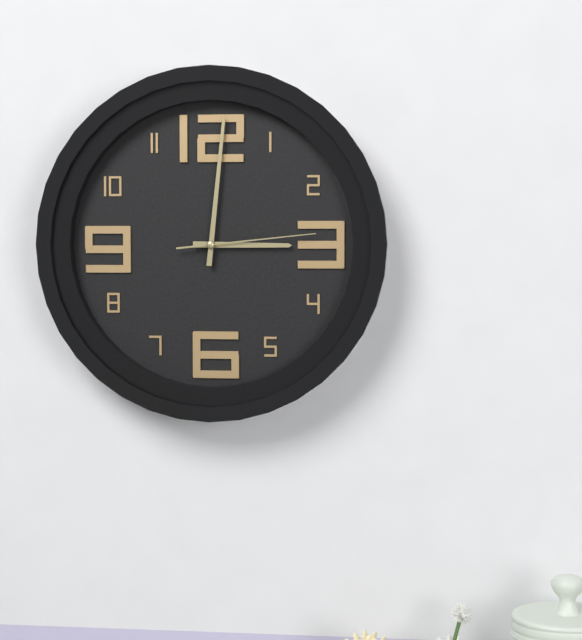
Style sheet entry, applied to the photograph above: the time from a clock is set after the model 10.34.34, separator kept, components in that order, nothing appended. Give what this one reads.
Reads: 3.01.14
